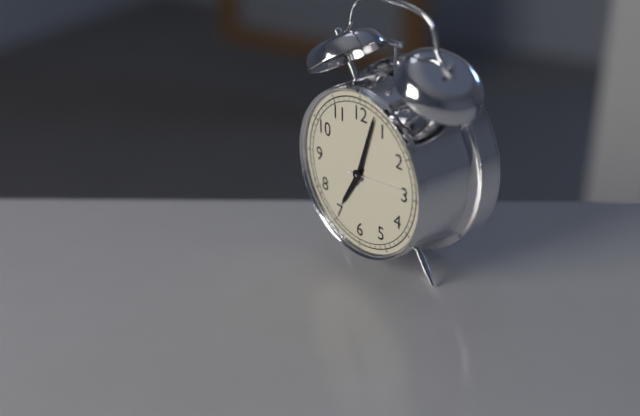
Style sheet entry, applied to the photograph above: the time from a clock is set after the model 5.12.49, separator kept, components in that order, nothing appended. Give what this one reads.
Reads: 7.03.14
